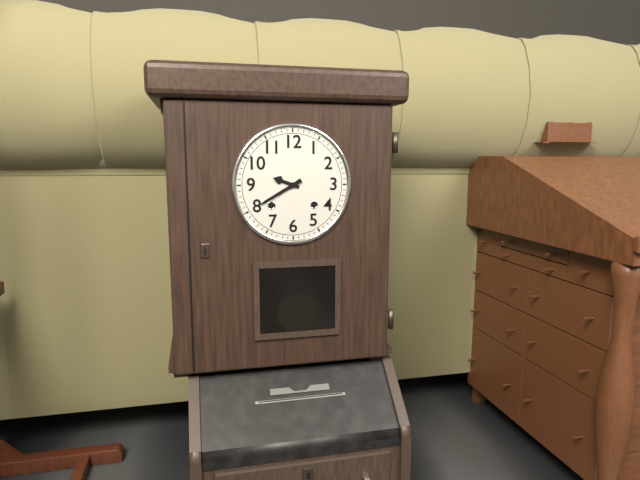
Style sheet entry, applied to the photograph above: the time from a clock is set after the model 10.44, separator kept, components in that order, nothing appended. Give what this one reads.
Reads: 9.40
